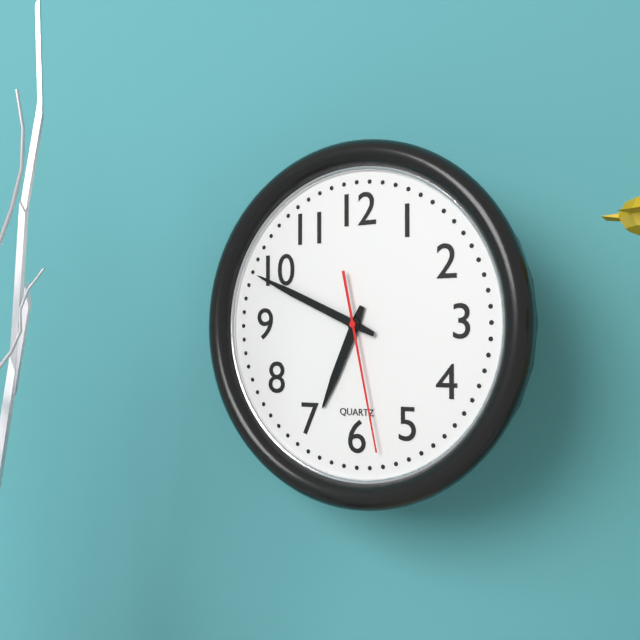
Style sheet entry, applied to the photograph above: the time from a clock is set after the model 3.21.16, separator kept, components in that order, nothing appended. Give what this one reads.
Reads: 6.49.28
